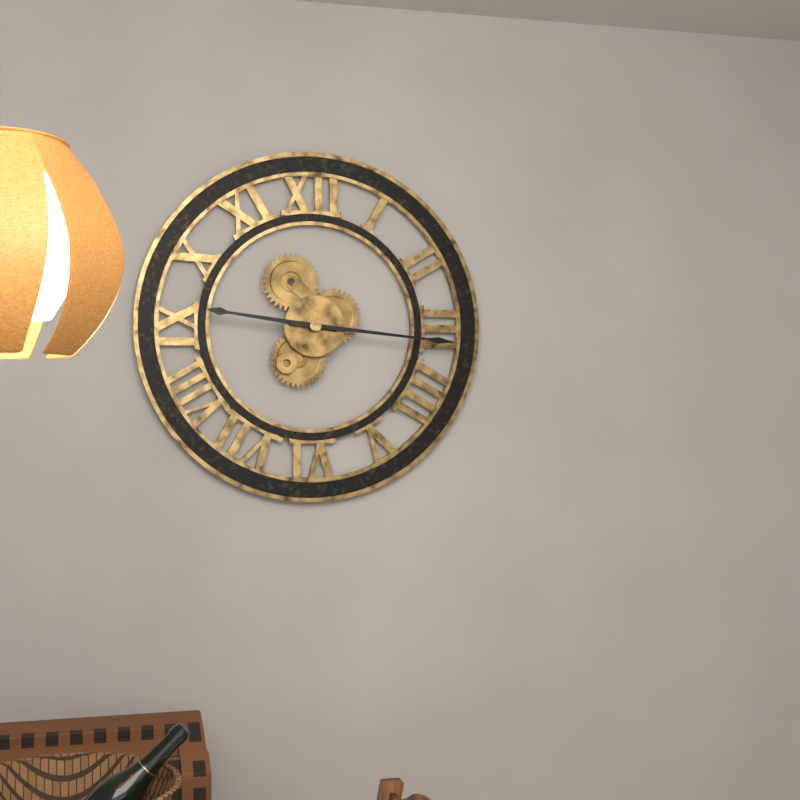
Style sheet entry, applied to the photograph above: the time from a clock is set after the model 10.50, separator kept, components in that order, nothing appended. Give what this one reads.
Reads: 9.16
